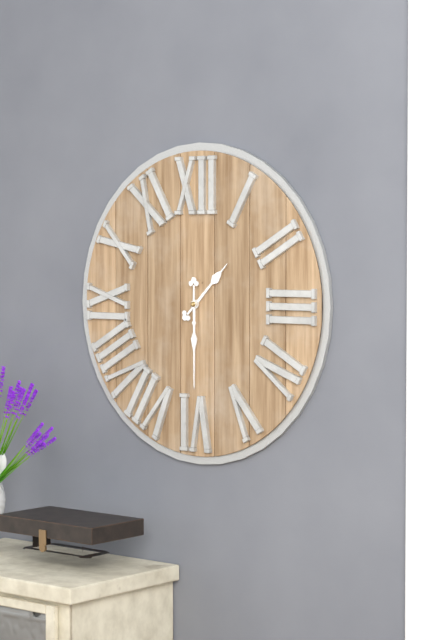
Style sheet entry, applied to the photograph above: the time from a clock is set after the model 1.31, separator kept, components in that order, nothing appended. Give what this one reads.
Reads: 1.30
